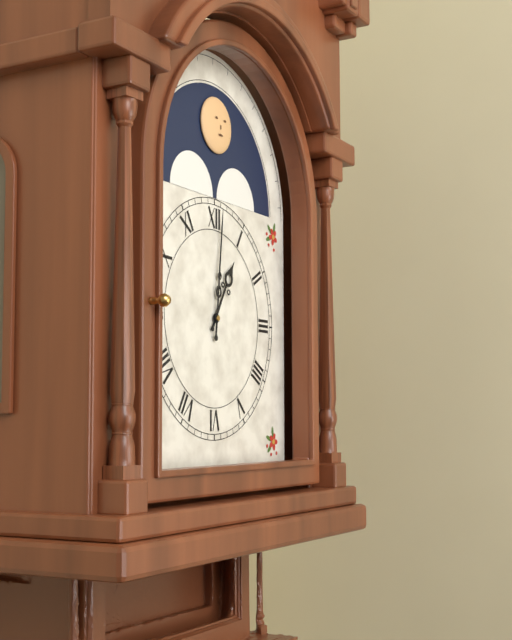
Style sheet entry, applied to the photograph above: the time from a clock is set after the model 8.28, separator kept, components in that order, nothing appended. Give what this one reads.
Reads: 1.01
